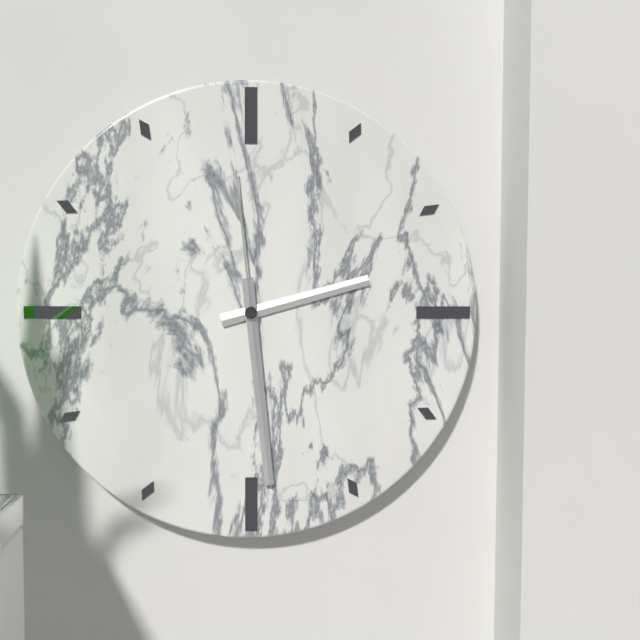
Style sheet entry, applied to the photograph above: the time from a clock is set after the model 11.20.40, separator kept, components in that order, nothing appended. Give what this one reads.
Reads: 2.29.59
